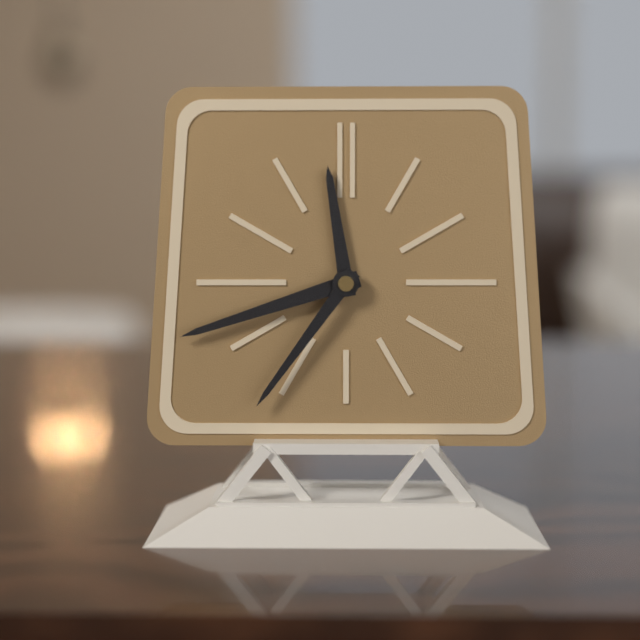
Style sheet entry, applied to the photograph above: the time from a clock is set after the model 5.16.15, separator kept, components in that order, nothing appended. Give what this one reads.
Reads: 11.42.36
